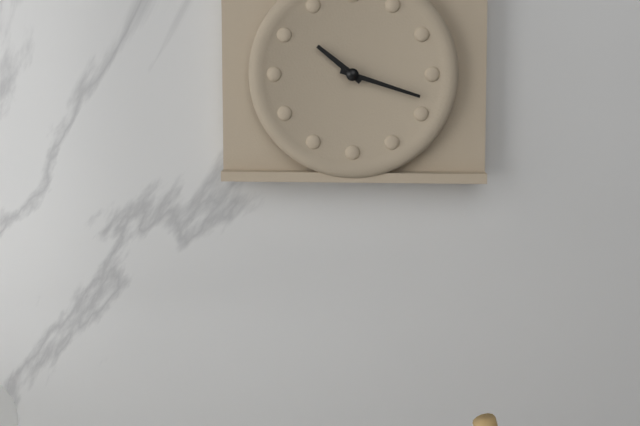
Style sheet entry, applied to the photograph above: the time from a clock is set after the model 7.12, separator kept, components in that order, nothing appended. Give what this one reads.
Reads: 10.18
